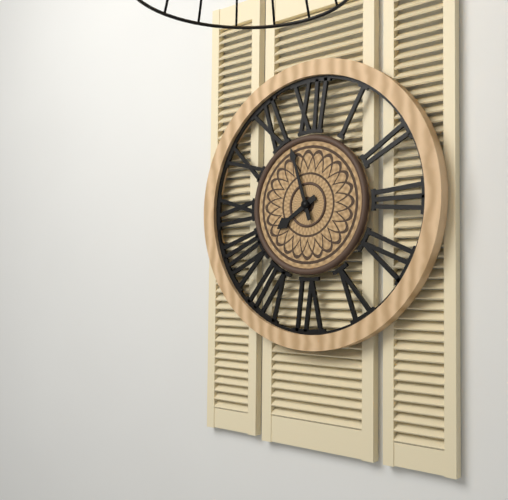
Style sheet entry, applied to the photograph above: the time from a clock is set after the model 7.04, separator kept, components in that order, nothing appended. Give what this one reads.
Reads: 7.57
